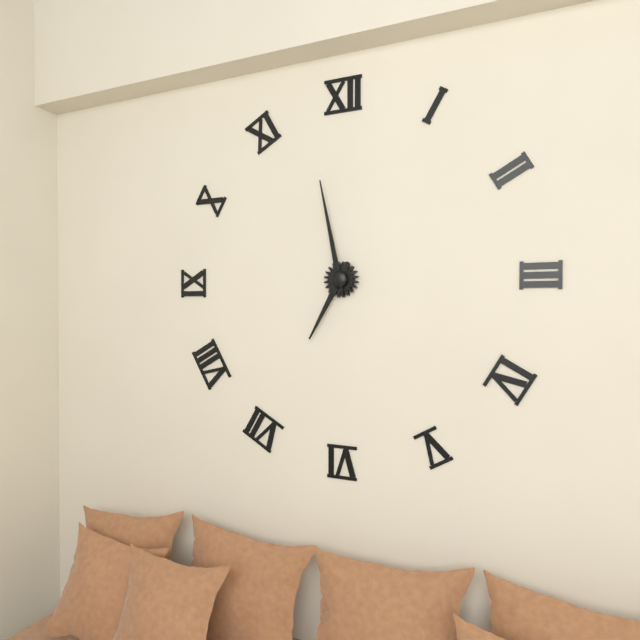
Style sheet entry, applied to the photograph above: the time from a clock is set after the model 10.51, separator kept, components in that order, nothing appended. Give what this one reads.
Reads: 6.58
